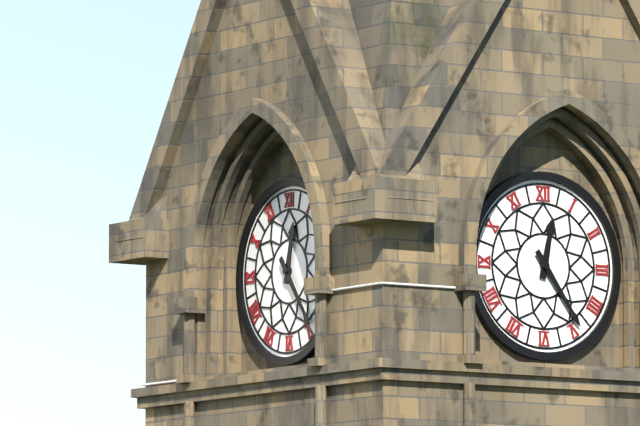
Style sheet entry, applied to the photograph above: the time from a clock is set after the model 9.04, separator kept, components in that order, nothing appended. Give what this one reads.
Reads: 12.24
